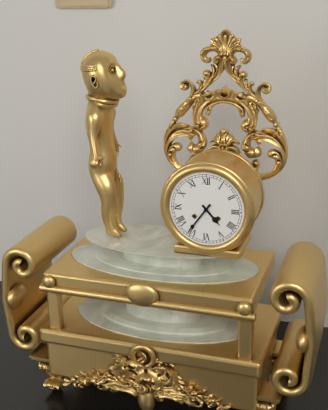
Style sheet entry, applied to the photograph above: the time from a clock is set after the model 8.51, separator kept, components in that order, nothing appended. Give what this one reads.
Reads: 4.36
